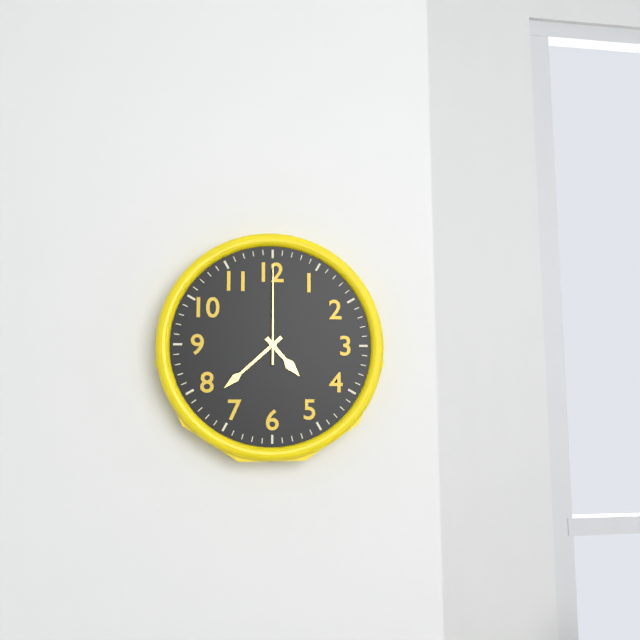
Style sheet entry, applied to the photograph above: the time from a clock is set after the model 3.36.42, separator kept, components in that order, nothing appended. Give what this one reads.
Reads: 4.38.00
